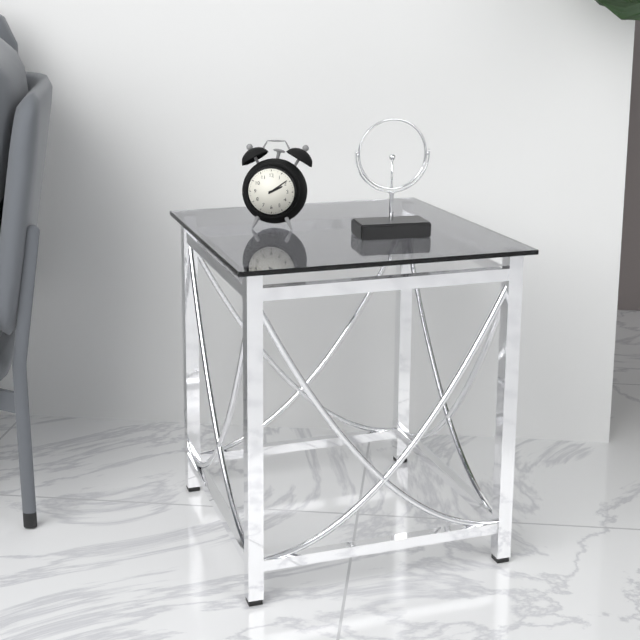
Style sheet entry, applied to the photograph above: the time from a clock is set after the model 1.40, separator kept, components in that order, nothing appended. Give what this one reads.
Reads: 2.09
